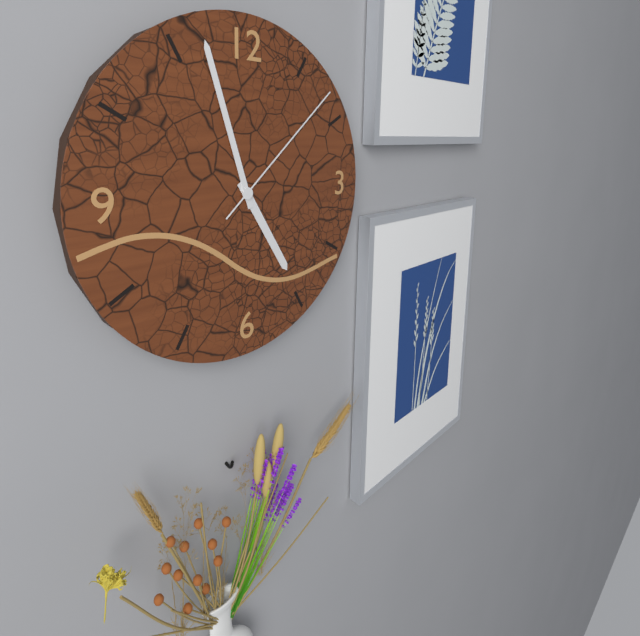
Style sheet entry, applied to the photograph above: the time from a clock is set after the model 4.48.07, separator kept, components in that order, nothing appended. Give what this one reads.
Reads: 4.57.08
